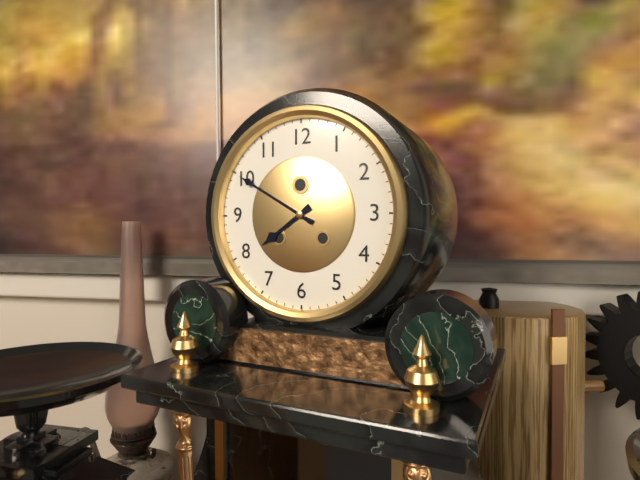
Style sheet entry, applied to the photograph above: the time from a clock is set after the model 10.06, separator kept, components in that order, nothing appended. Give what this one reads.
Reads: 7.50
